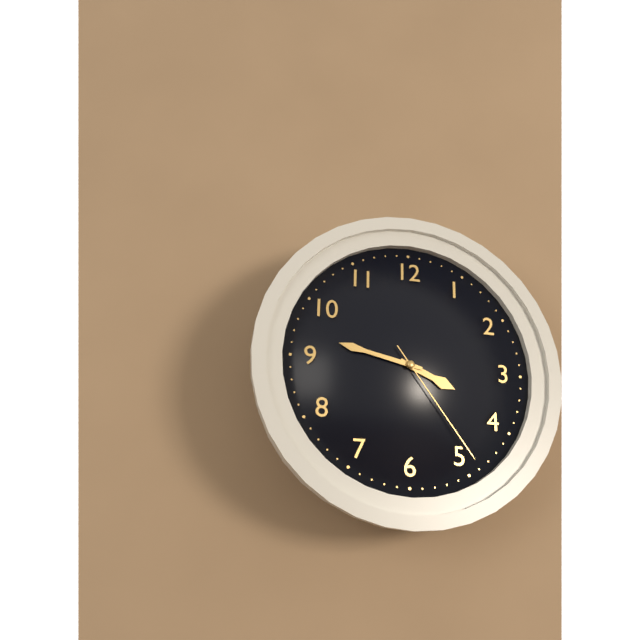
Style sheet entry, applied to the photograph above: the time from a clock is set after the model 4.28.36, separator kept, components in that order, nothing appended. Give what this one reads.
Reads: 3.47.24
